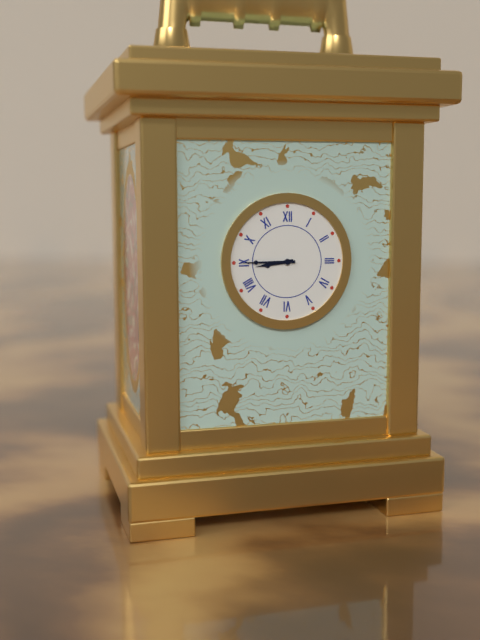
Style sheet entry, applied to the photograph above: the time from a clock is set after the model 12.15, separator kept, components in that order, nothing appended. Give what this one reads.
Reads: 8.45
